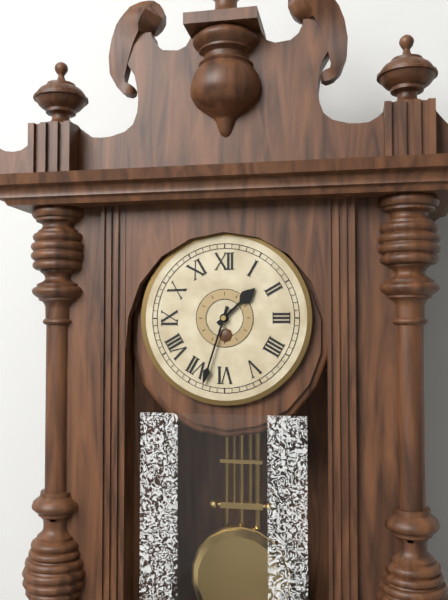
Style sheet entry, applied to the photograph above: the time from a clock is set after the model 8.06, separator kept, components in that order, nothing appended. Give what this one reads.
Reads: 1.33
